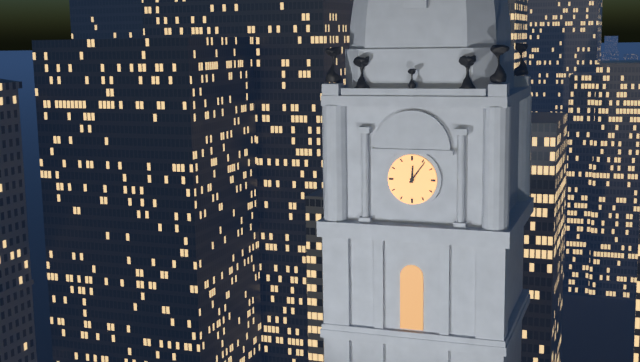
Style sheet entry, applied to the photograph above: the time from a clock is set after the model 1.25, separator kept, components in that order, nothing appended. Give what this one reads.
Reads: 12.06
